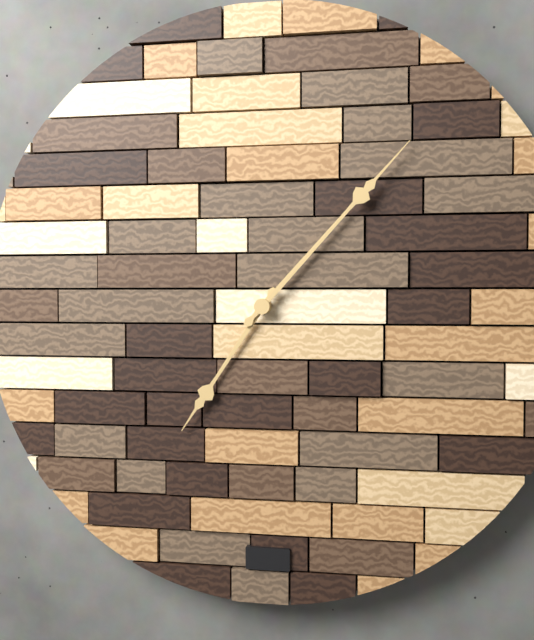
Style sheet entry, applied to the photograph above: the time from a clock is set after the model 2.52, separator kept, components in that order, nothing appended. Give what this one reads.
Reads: 7.07
